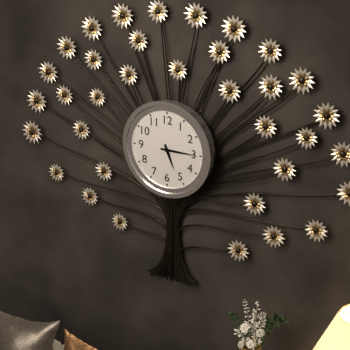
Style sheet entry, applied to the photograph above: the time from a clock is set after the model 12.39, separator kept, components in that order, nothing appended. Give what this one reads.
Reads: 5.15
